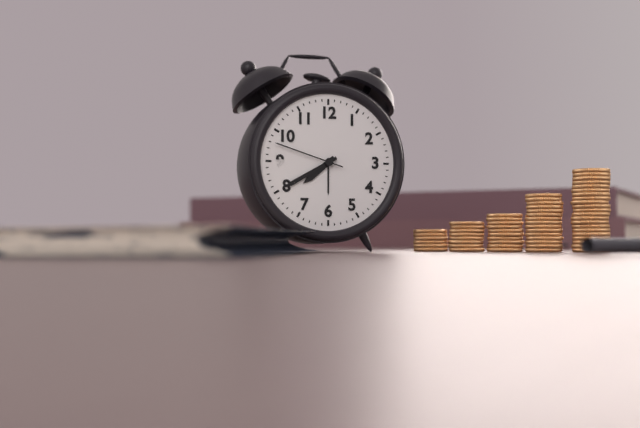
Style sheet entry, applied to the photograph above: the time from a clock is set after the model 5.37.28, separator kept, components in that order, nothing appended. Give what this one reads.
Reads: 7.40.48
